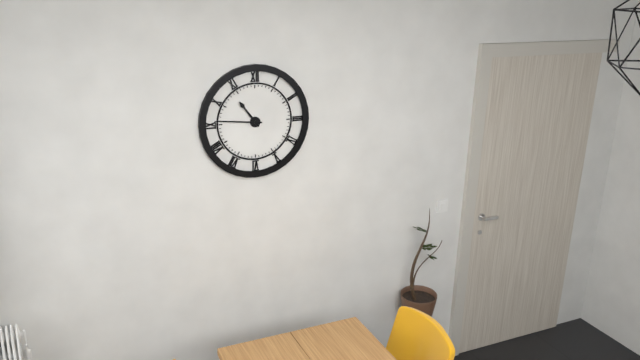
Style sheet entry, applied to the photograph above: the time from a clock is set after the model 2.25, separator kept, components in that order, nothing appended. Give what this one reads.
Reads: 10.46
